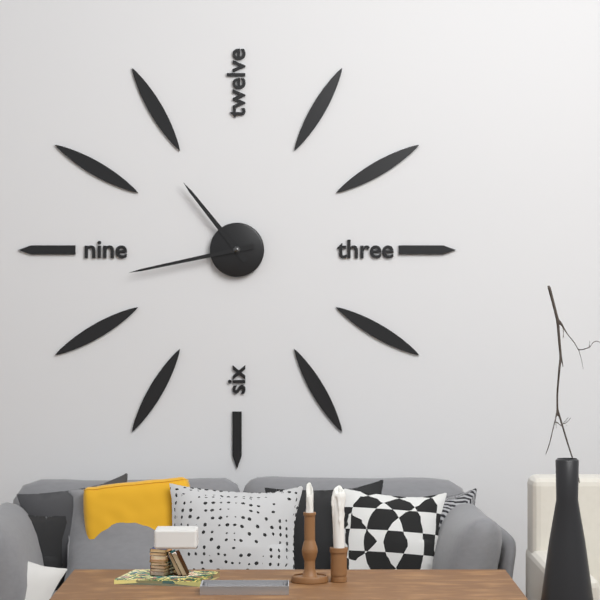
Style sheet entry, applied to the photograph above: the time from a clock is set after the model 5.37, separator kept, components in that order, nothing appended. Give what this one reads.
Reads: 10.43
